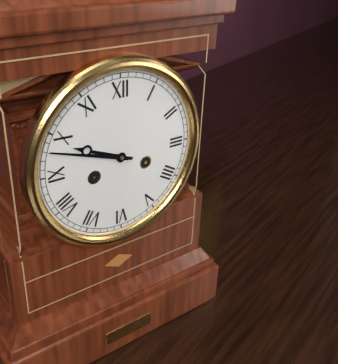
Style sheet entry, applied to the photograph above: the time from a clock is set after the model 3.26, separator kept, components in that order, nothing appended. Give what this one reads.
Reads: 9.48
